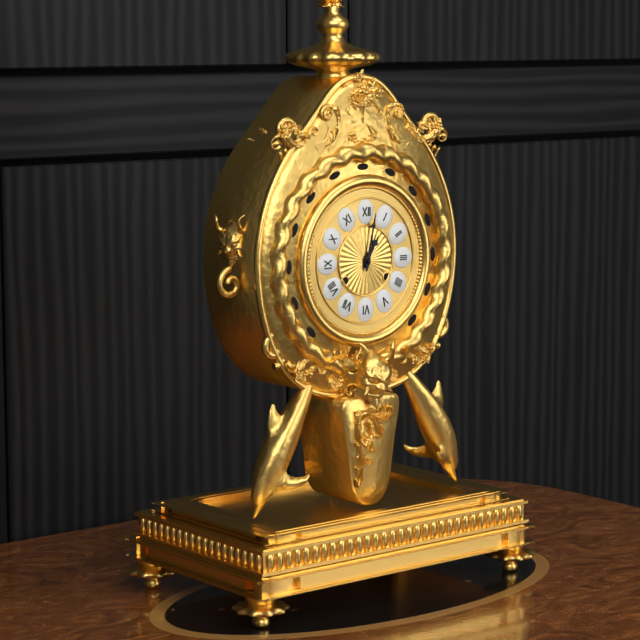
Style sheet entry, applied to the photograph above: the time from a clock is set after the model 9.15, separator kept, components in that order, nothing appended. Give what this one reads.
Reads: 1.02
